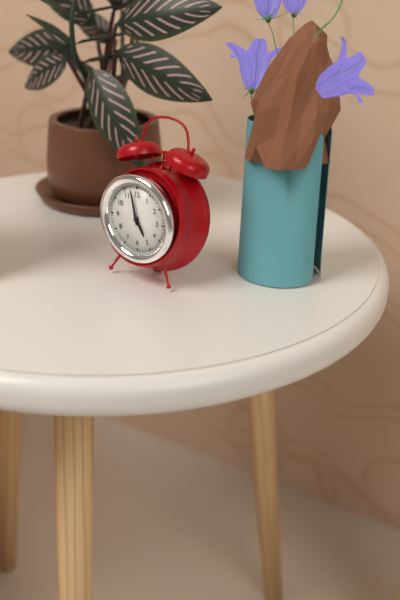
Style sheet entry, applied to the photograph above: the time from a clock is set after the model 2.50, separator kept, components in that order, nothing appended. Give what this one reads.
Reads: 4.58
